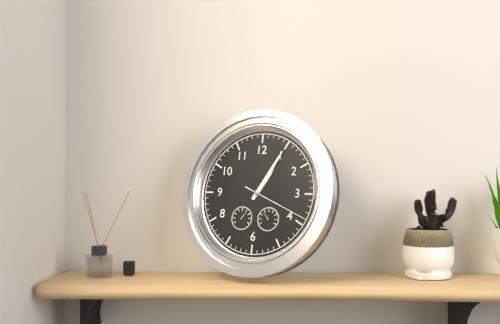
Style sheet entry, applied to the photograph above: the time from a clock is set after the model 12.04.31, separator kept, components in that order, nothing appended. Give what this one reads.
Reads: 1.05.19
